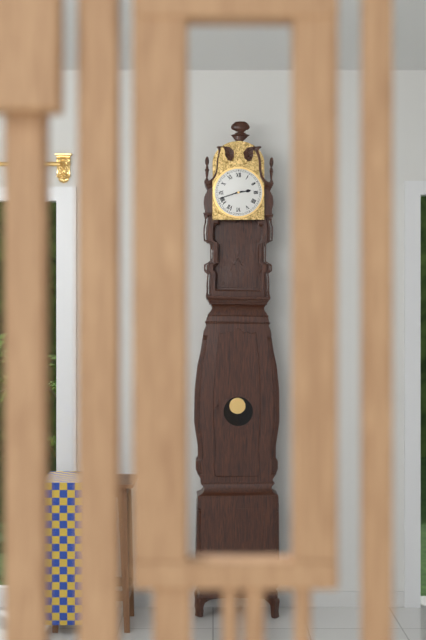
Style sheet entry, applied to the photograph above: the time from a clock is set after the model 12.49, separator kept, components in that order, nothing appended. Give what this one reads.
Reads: 2.42
